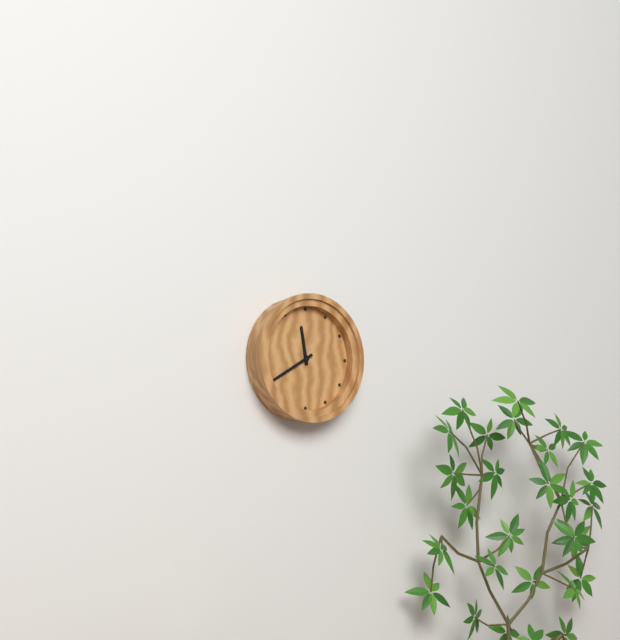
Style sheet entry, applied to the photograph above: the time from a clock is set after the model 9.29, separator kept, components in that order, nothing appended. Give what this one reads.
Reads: 11.40
